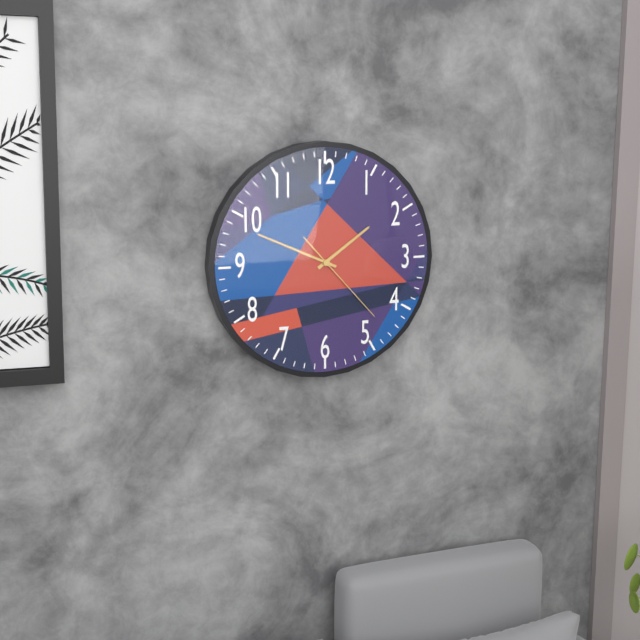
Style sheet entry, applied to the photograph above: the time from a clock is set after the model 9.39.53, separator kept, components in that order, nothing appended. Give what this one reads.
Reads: 1.49.23
